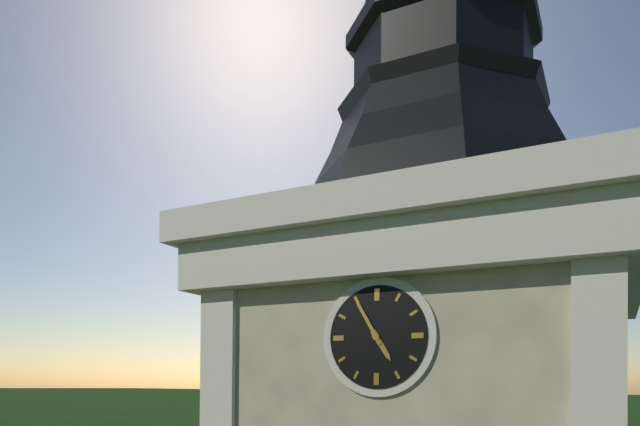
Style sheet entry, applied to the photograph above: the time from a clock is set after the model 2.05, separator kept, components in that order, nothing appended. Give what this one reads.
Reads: 4.55
